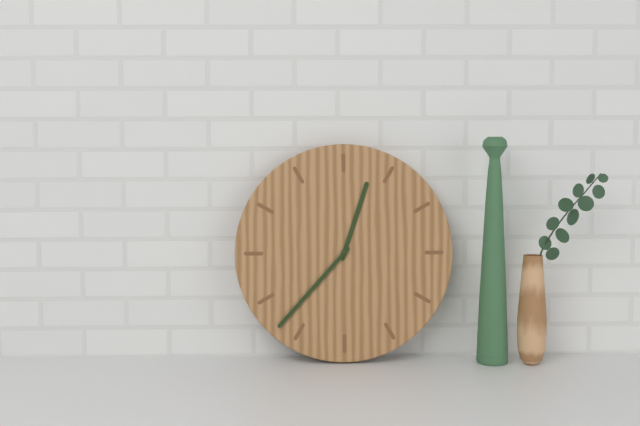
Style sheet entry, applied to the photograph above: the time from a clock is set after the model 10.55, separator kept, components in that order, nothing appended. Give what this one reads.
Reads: 12.37
